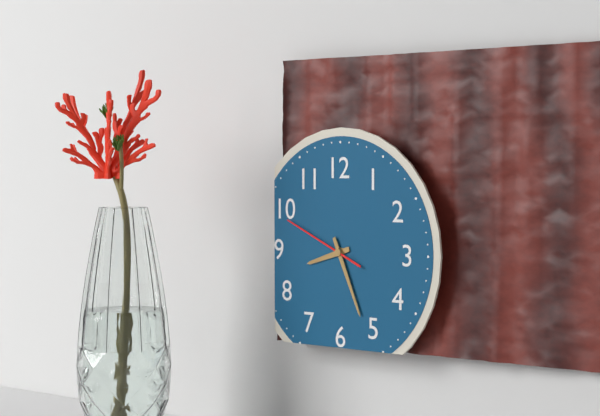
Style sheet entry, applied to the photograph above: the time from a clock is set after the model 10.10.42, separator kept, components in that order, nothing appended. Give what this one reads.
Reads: 8.26.49
